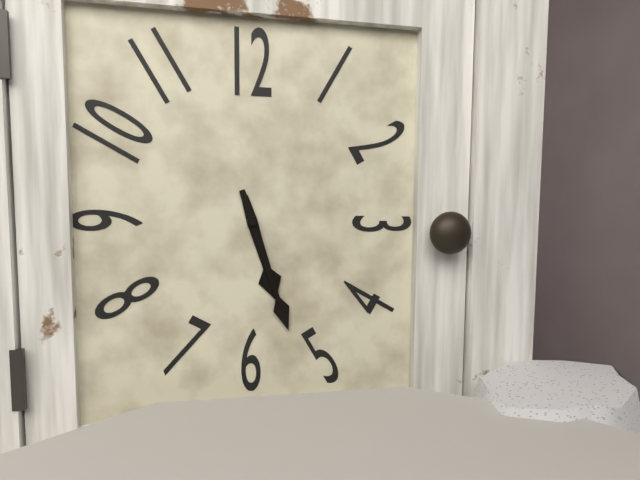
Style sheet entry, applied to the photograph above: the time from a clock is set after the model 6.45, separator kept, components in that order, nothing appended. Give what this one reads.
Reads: 5.27
